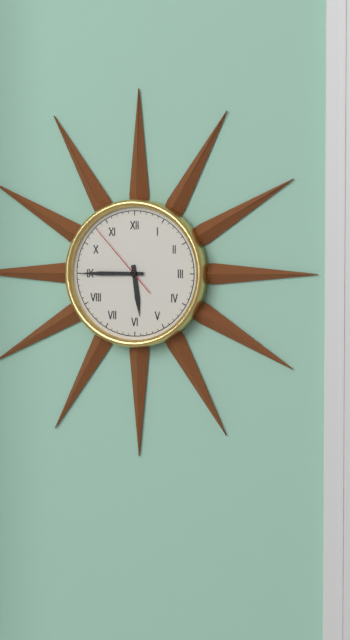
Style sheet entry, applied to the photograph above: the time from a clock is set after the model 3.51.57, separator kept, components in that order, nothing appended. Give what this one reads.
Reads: 5.45.53
